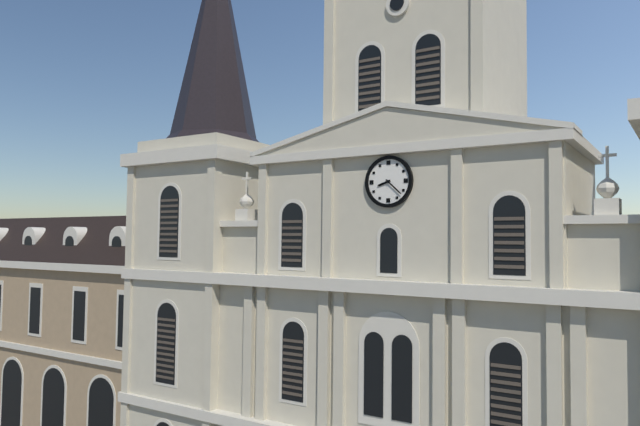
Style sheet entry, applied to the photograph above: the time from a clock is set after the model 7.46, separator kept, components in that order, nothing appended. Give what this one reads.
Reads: 8.22
